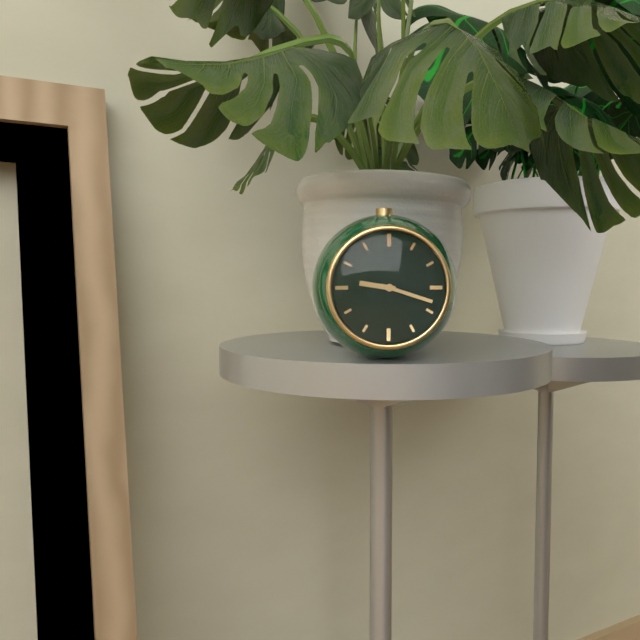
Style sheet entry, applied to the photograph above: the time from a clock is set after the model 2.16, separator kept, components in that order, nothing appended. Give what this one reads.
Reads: 9.18
